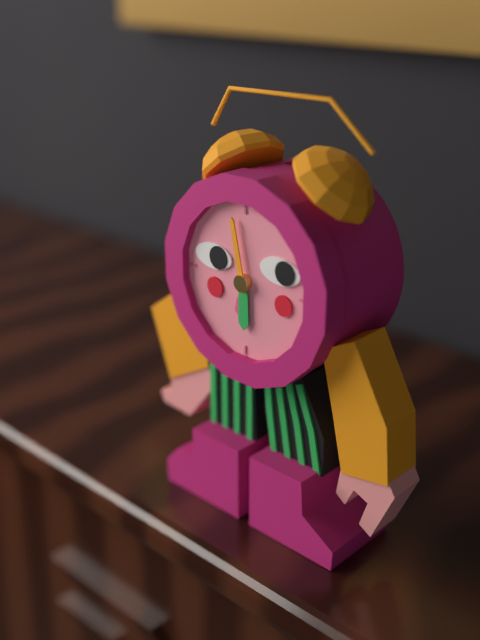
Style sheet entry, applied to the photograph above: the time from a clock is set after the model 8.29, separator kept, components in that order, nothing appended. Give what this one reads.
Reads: 5.58
